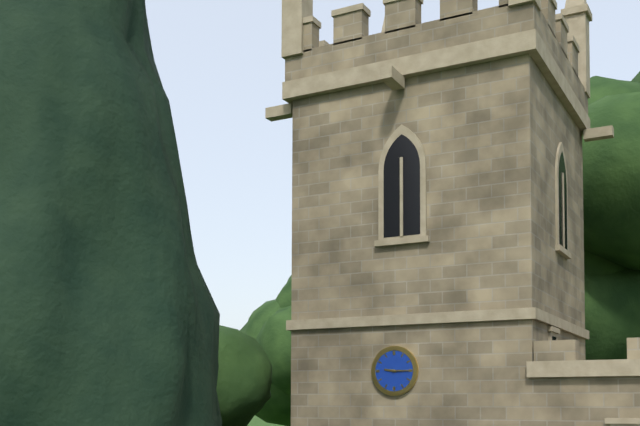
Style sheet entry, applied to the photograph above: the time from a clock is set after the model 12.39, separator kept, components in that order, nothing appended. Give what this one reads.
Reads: 9.15
